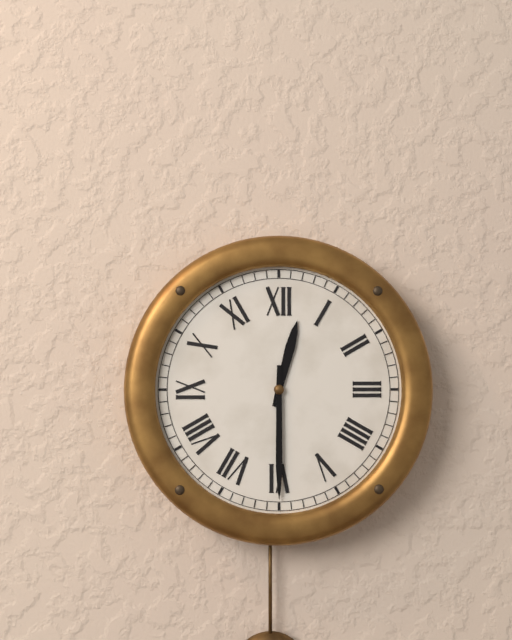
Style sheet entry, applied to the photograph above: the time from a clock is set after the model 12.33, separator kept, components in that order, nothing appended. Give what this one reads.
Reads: 12.30
